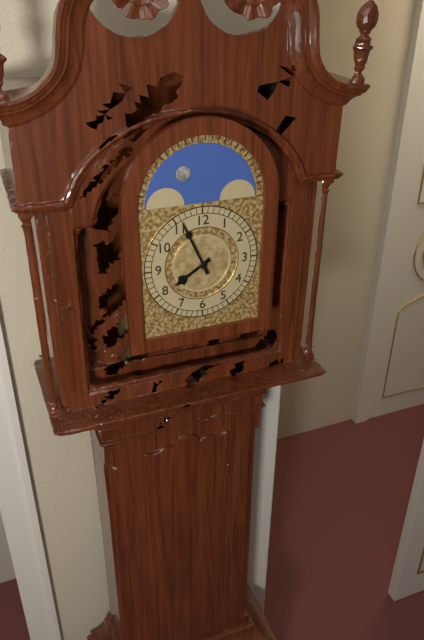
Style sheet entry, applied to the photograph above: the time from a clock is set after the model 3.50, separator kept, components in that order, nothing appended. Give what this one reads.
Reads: 7.56
